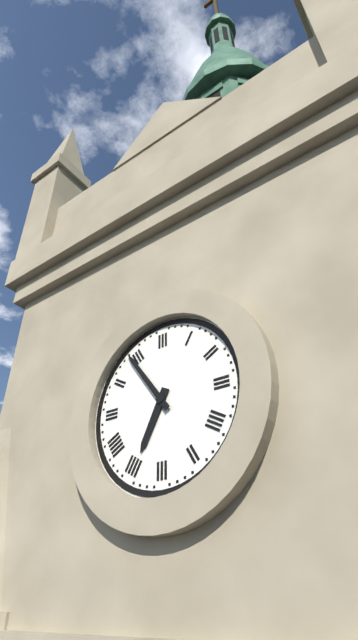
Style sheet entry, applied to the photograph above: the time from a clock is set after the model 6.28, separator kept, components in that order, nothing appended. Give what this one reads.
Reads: 6.54
